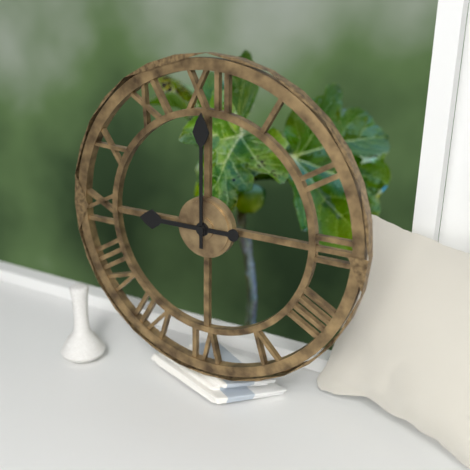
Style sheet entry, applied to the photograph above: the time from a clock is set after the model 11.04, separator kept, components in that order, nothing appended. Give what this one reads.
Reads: 9.00
